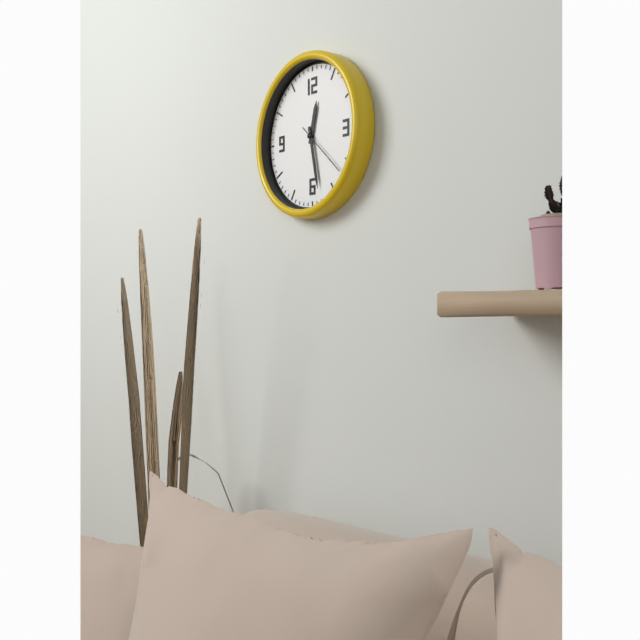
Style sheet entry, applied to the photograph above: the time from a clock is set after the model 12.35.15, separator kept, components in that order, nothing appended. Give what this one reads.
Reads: 12.28.22
